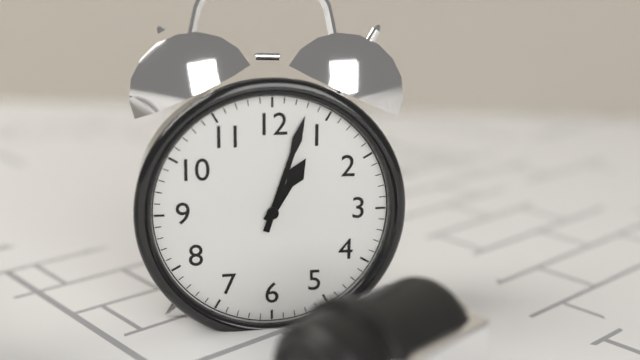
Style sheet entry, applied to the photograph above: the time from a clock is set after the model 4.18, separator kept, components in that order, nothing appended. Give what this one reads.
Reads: 1.03
